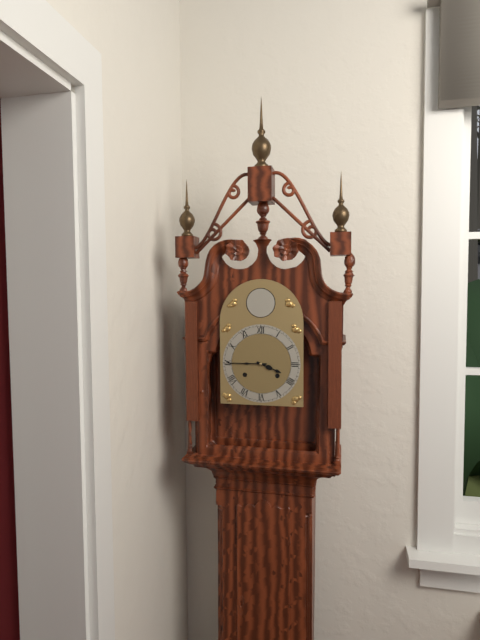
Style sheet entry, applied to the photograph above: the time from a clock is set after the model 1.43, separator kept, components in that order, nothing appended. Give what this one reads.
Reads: 3.45
